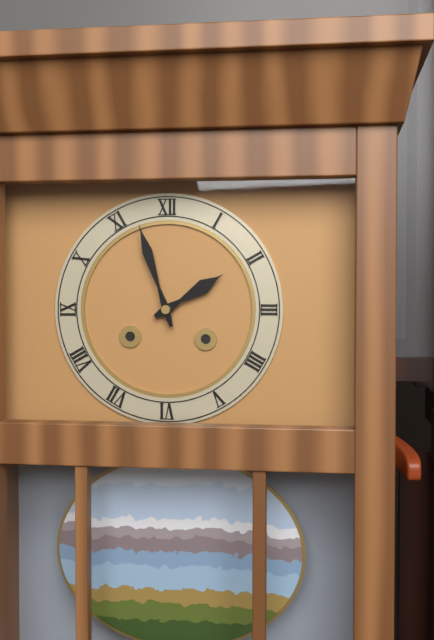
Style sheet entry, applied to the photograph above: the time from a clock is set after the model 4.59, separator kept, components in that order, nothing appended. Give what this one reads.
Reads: 1.57
